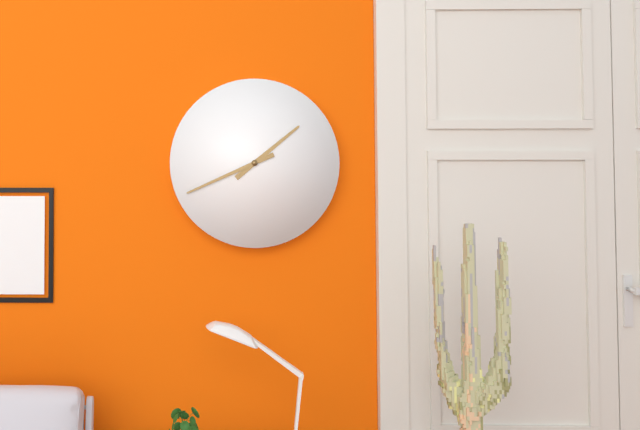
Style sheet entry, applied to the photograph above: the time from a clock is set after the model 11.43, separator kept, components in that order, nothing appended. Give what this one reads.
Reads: 1.41
